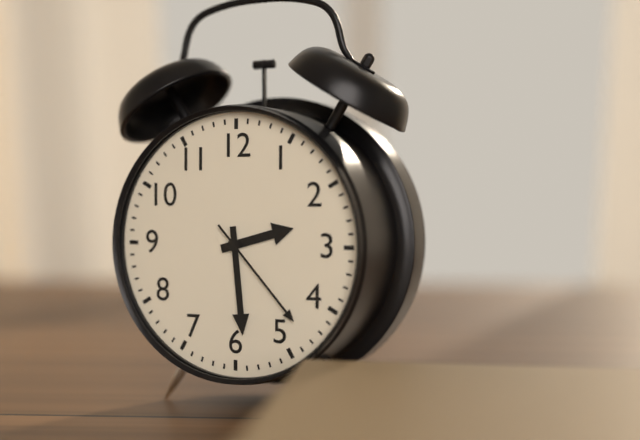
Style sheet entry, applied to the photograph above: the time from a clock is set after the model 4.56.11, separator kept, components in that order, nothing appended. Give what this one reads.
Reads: 2.29.23
